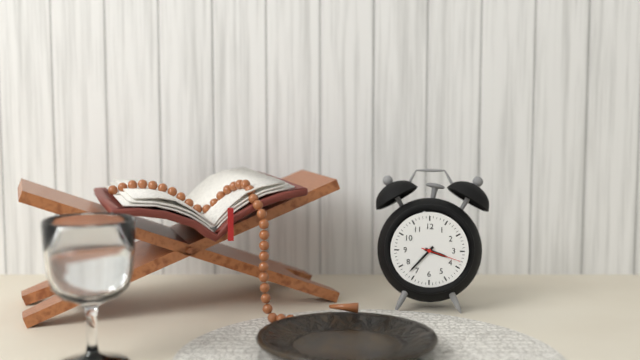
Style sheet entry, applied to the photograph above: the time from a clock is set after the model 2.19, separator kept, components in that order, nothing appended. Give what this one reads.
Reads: 3.37
